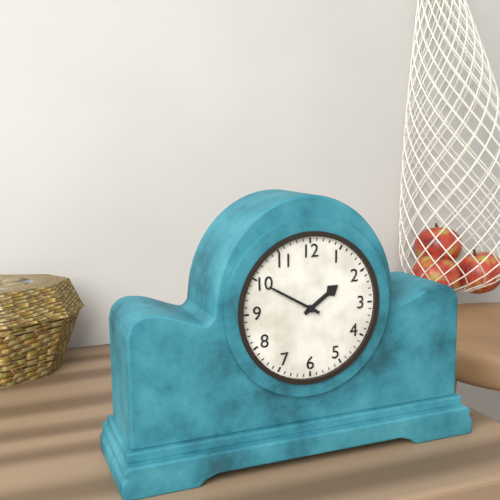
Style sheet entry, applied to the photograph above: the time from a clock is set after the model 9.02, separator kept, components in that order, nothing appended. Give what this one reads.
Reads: 1.50
